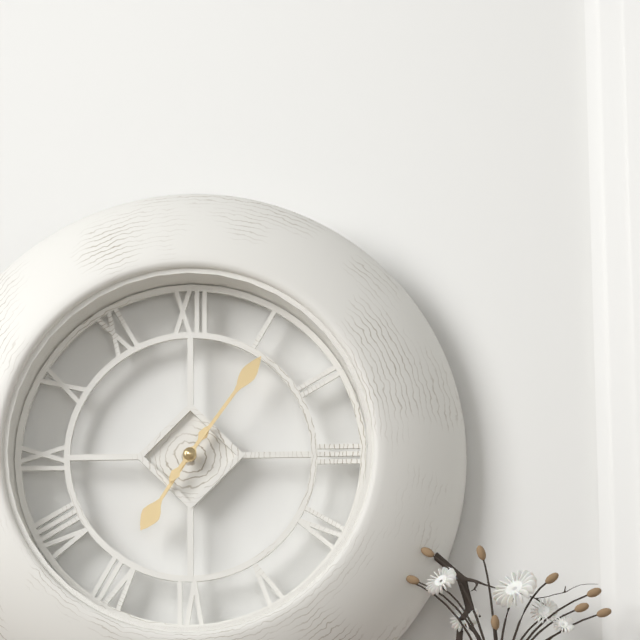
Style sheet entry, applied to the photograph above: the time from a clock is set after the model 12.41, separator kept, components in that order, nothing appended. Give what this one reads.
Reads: 7.06
